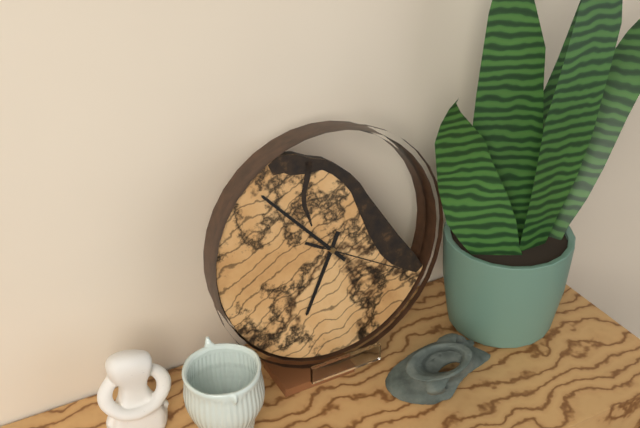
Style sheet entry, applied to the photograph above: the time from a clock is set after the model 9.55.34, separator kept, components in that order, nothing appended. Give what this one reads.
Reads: 6.53.20
